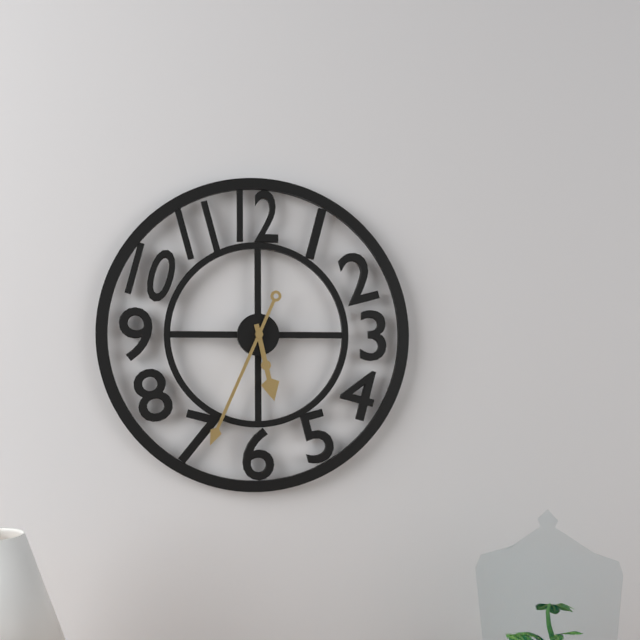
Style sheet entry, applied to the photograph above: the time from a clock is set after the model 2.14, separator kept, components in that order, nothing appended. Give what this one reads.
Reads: 5.34
